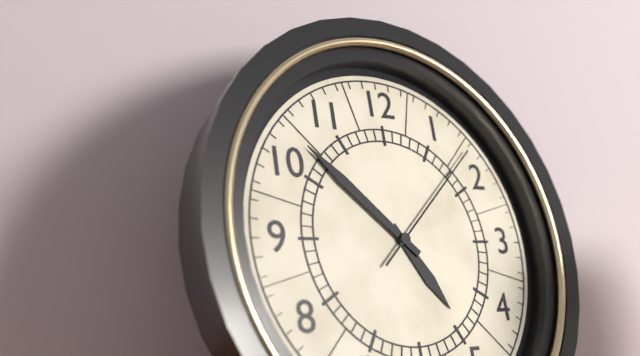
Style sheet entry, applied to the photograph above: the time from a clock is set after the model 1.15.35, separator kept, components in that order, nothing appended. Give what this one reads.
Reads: 4.52.08
